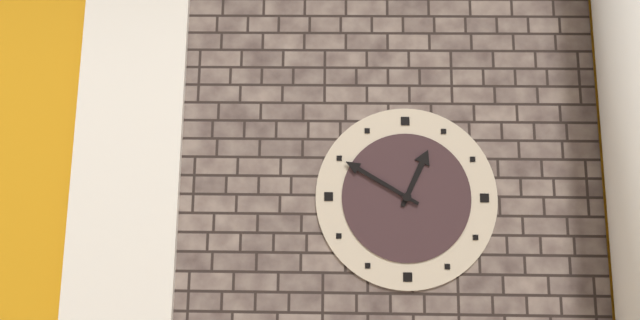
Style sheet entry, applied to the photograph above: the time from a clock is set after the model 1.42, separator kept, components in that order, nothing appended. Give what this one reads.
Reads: 12.50
